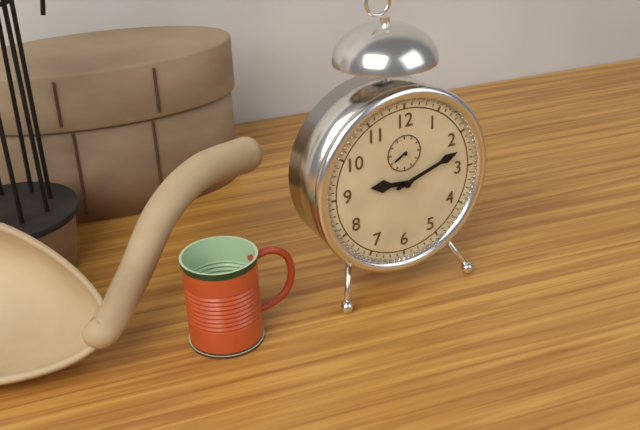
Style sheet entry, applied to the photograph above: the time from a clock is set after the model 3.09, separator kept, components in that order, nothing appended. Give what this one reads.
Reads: 9.12
